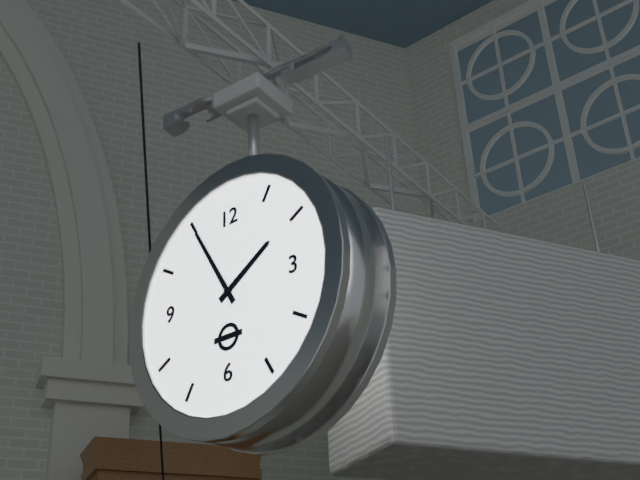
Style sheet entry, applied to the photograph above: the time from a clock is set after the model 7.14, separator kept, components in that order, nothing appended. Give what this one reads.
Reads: 1.55
